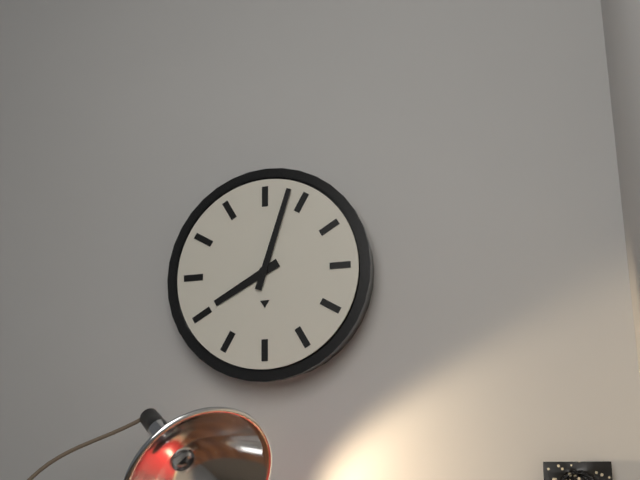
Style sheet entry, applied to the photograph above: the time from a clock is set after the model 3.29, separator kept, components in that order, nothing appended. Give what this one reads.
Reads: 8.03
